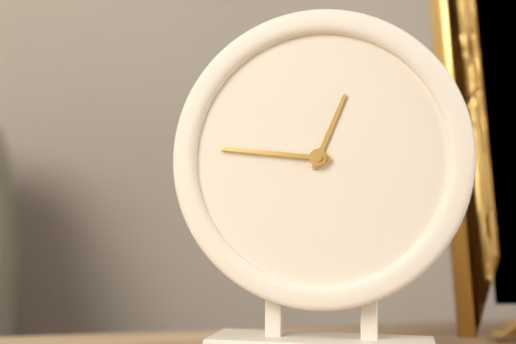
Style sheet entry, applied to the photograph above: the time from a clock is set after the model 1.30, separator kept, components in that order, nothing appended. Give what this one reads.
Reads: 12.46
